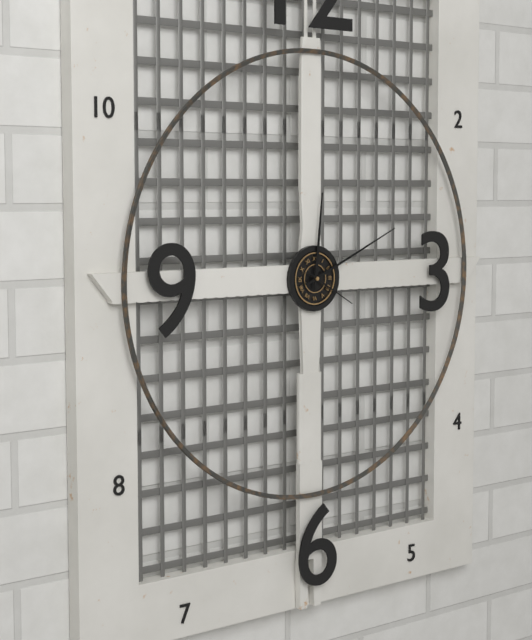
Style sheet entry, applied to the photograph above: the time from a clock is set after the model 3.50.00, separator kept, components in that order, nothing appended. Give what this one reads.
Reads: 12.11.20
